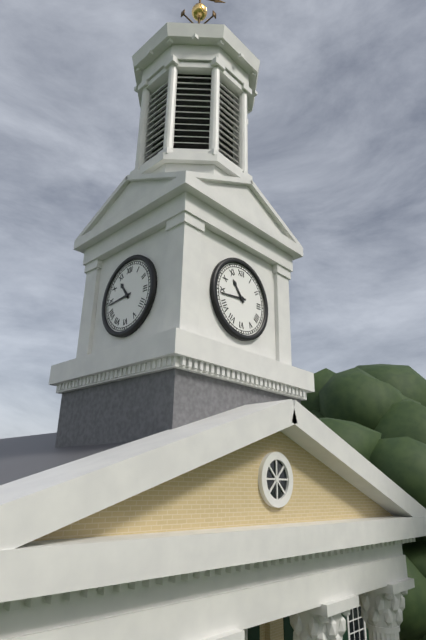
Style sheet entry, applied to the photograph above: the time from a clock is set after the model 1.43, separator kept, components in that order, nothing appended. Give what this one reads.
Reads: 10.44
